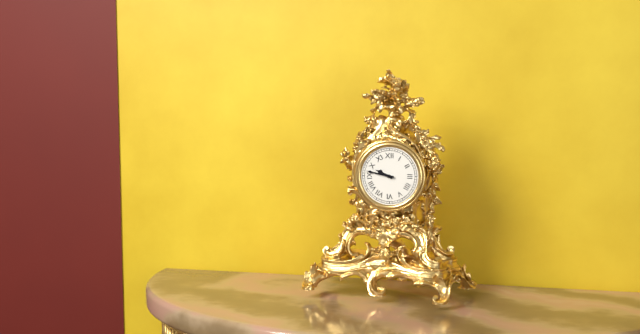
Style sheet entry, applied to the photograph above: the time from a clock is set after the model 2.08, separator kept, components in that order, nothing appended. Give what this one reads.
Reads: 9.47
